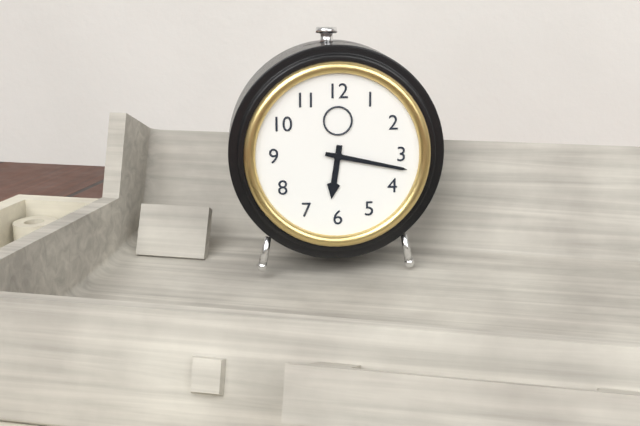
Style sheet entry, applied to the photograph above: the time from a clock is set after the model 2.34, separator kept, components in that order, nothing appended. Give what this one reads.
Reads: 6.17
